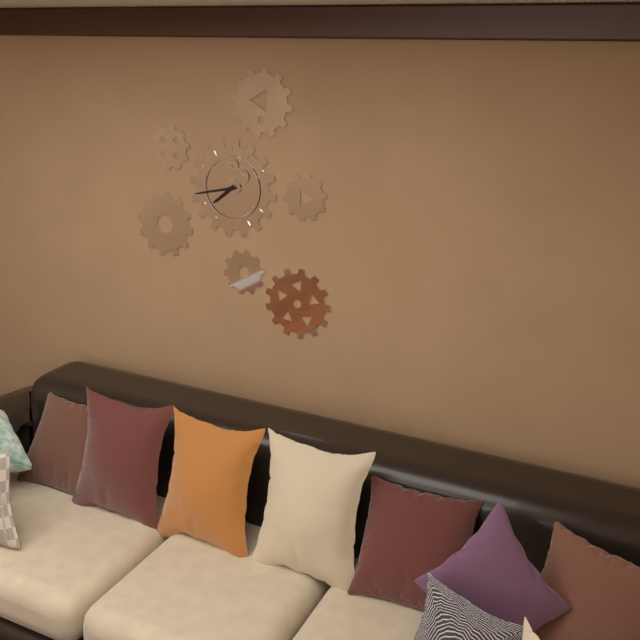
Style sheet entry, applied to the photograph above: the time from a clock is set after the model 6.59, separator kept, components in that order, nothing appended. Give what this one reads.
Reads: 7.43
